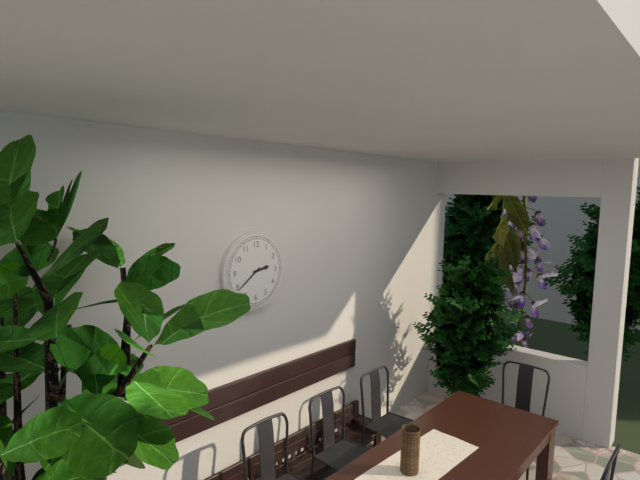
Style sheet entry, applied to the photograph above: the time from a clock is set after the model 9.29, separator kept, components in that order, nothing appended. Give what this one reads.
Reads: 2.39
